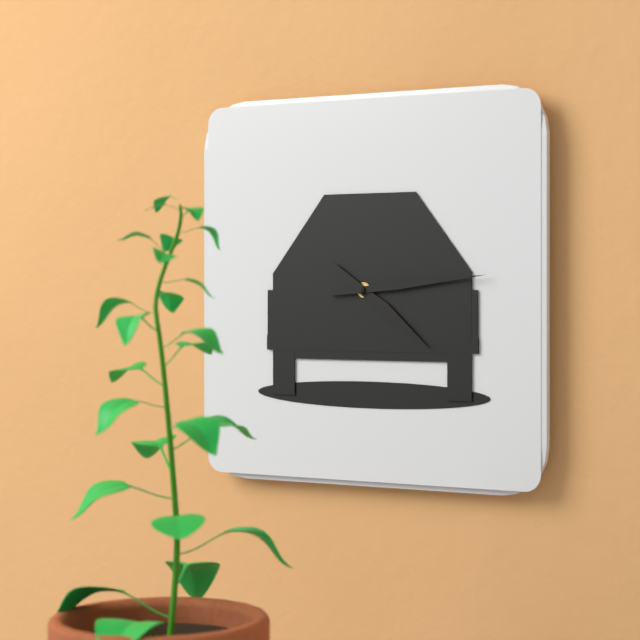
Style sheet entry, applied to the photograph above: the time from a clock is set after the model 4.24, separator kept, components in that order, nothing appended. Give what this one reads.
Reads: 4.14
